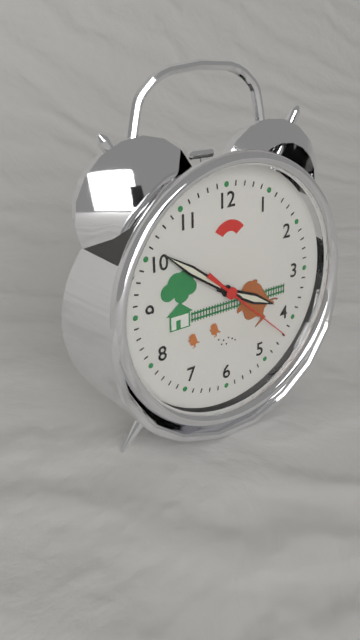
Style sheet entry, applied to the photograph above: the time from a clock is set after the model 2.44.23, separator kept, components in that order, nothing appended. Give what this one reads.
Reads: 3.51.22
